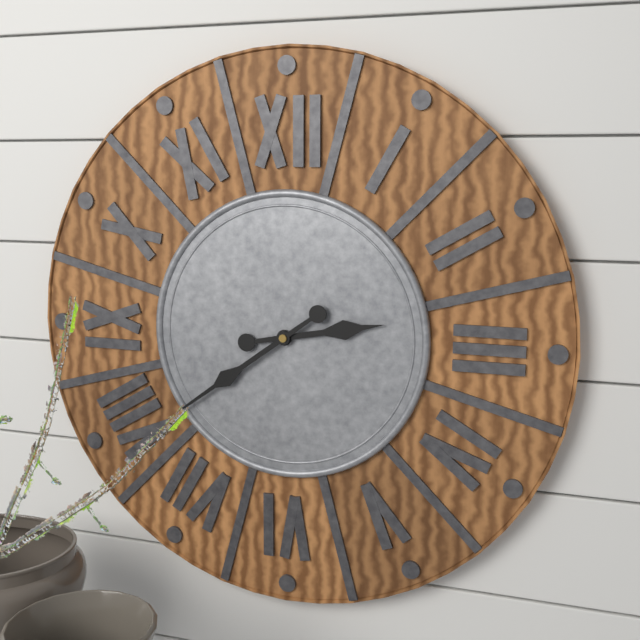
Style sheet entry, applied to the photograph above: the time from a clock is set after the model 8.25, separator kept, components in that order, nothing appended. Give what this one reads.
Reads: 2.39
